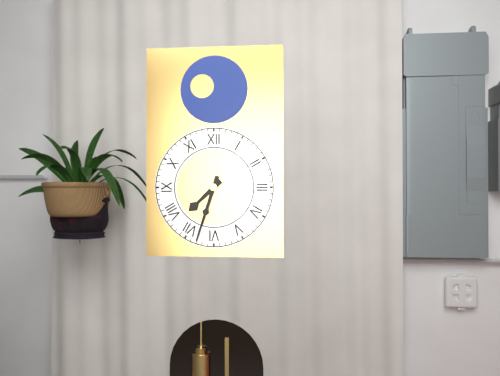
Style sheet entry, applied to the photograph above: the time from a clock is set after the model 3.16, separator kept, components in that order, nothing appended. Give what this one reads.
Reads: 7.33
